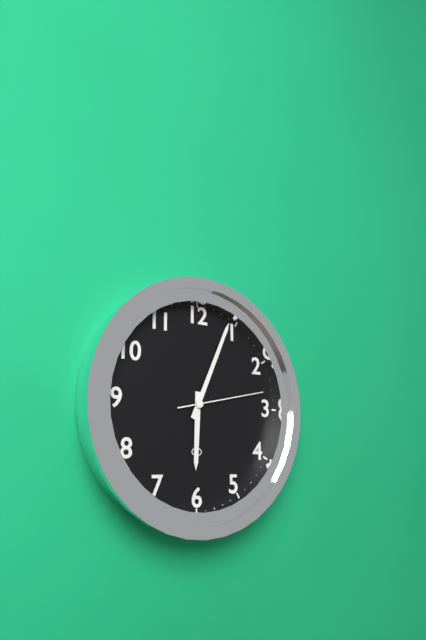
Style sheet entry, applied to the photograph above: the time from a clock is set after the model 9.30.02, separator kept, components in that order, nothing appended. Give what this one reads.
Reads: 6.04.13
